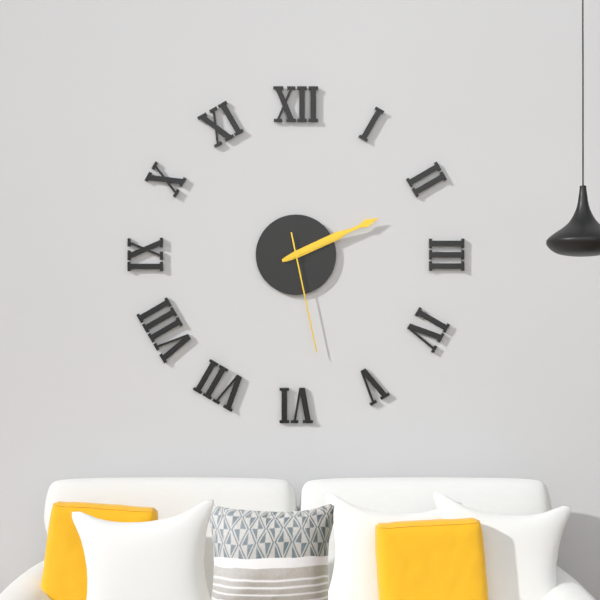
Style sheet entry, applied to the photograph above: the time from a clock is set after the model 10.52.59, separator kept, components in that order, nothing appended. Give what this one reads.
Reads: 2.11.28
